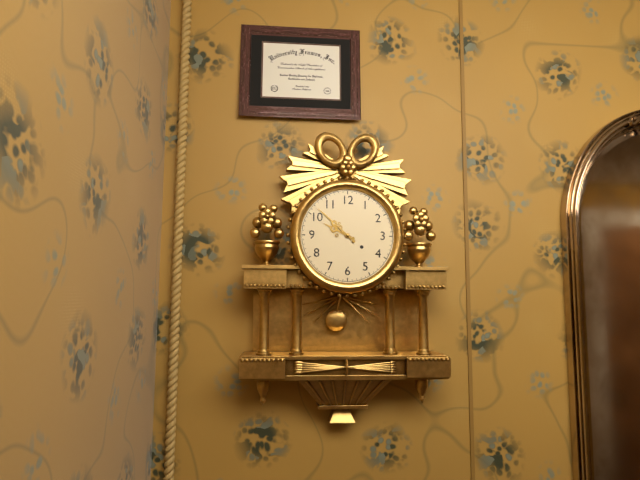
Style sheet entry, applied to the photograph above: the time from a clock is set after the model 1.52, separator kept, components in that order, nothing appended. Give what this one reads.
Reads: 9.52
